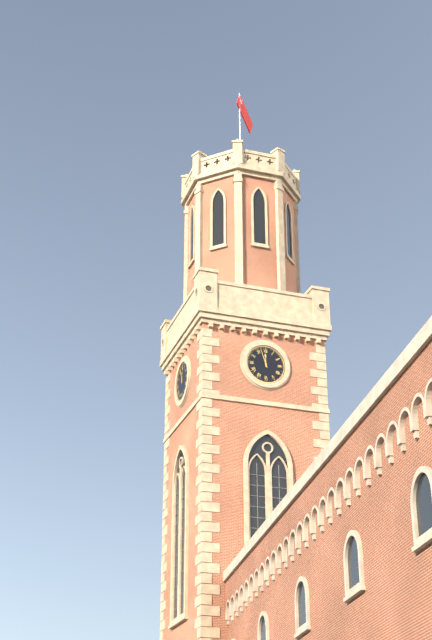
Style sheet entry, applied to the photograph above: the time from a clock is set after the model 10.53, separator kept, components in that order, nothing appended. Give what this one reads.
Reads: 11.57
